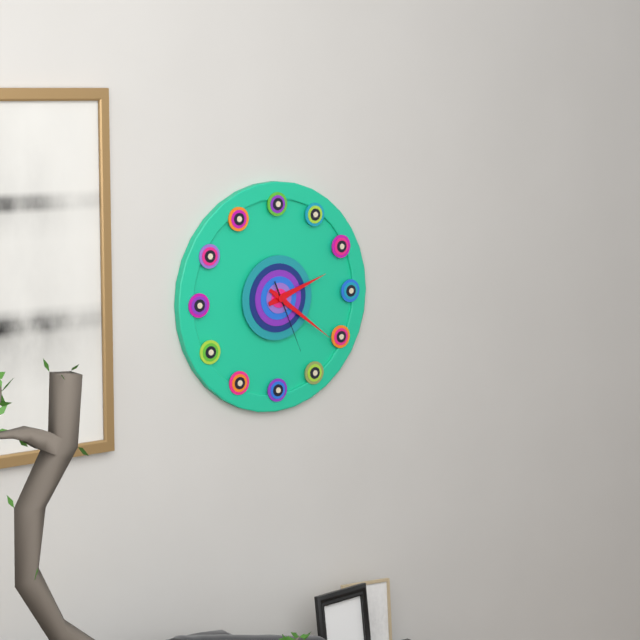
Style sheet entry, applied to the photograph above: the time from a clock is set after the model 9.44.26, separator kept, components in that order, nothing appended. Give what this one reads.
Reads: 2.21.26
